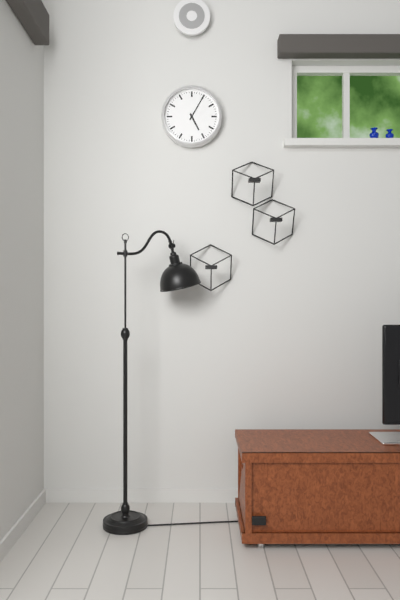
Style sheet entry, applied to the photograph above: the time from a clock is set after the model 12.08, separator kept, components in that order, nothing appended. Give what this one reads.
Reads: 5.05
